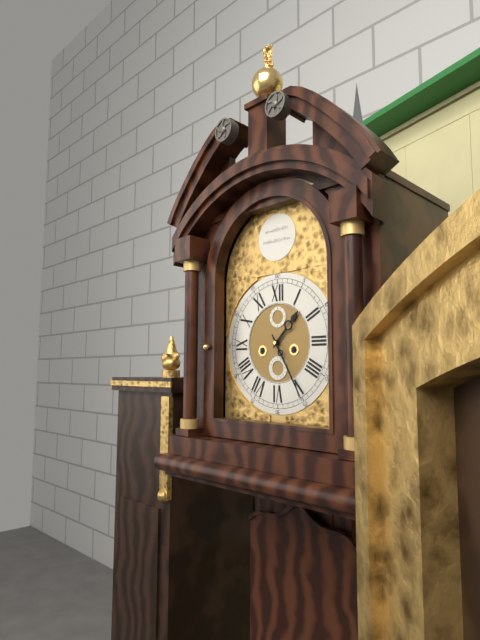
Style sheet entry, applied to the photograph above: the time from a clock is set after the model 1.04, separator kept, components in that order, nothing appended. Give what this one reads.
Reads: 1.25
